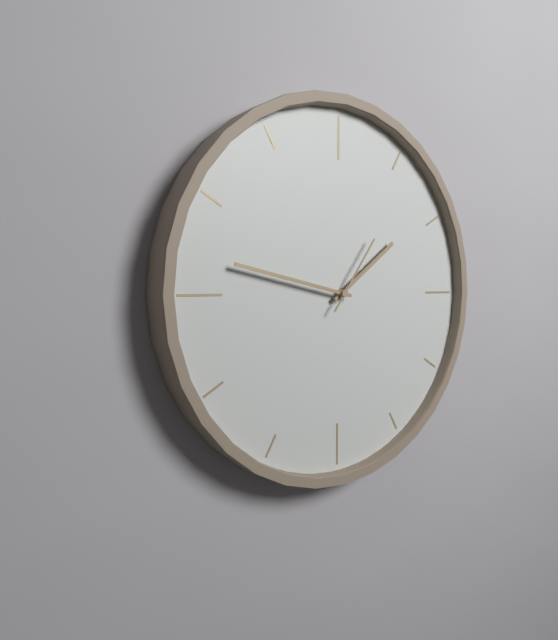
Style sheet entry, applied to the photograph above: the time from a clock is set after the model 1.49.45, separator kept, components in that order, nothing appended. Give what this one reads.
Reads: 1.47.06
